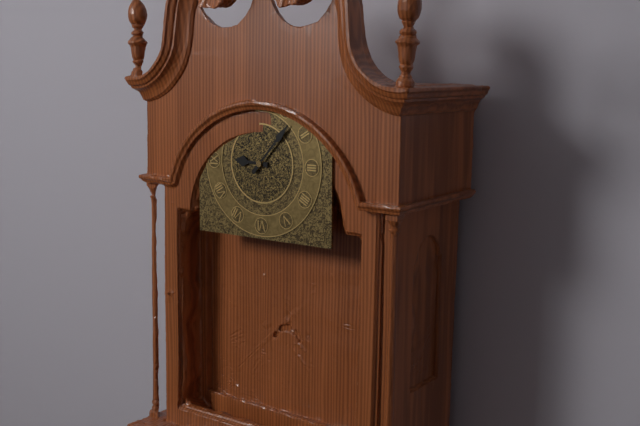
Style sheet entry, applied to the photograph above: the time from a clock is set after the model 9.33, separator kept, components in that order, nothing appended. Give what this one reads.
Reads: 9.07
